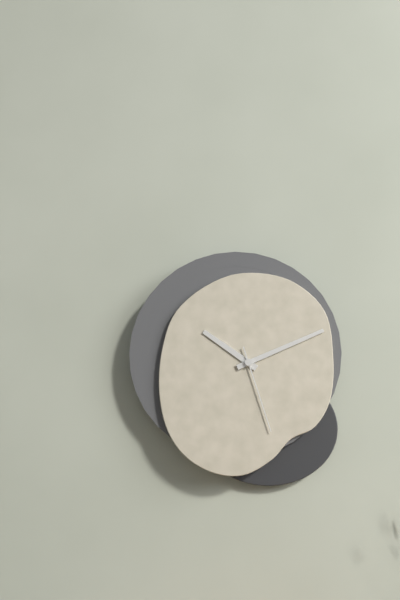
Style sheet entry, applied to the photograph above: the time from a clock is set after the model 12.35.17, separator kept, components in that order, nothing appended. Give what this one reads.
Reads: 10.11.27
